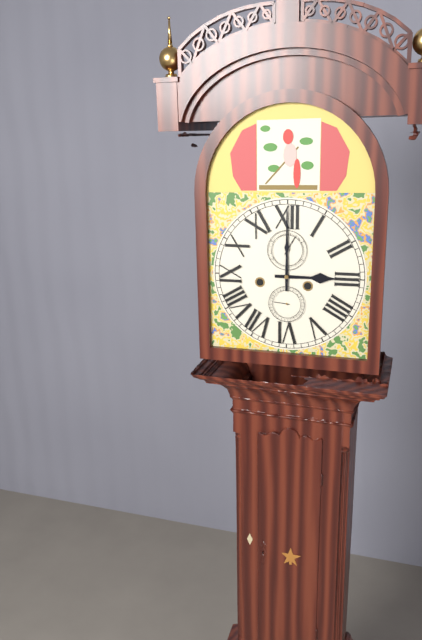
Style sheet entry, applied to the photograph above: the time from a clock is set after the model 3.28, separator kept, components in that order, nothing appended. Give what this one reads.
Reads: 3.00
